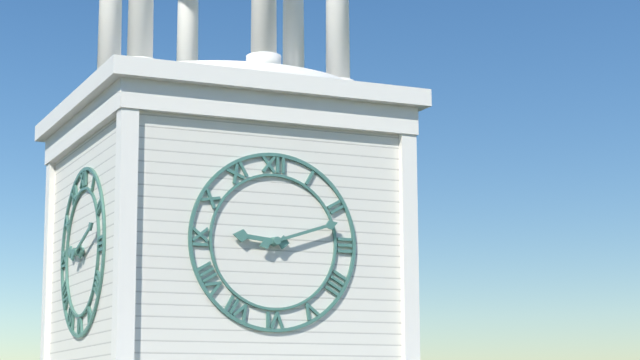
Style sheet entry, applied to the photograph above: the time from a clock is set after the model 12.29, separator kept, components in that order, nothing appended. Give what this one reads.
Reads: 9.12
